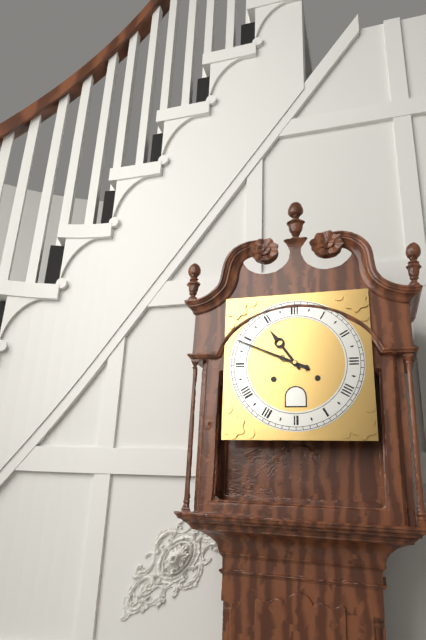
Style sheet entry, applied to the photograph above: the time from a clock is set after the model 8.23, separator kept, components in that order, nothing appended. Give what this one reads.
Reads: 10.49
